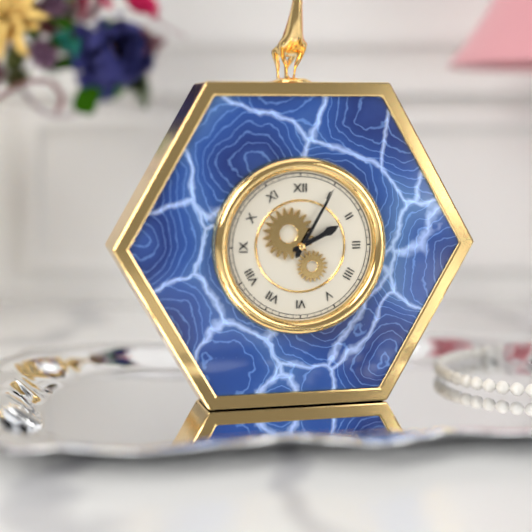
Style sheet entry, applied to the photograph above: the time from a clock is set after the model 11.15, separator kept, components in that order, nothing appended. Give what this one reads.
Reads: 2.05
